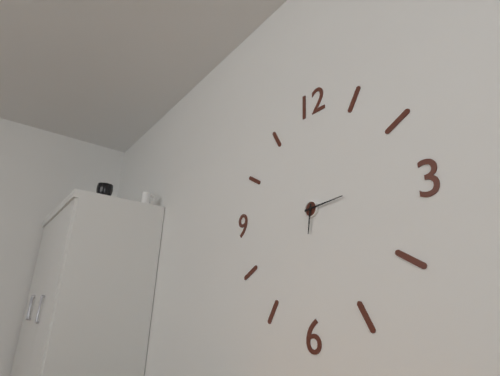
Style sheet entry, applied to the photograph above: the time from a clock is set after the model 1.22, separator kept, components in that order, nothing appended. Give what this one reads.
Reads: 6.14
